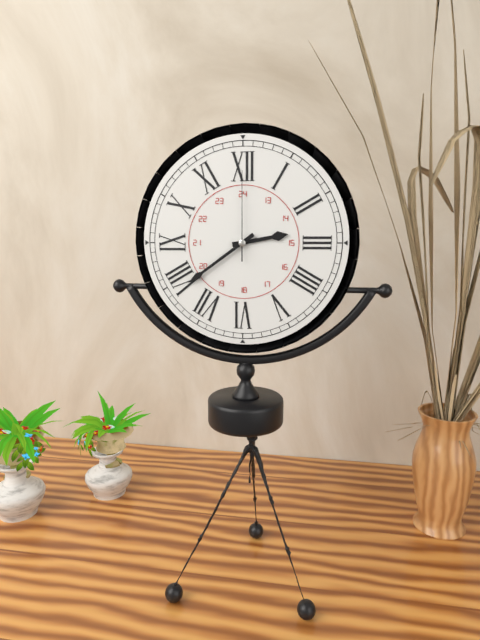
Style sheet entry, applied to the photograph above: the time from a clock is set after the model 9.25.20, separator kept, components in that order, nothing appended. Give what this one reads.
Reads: 2.39.00
